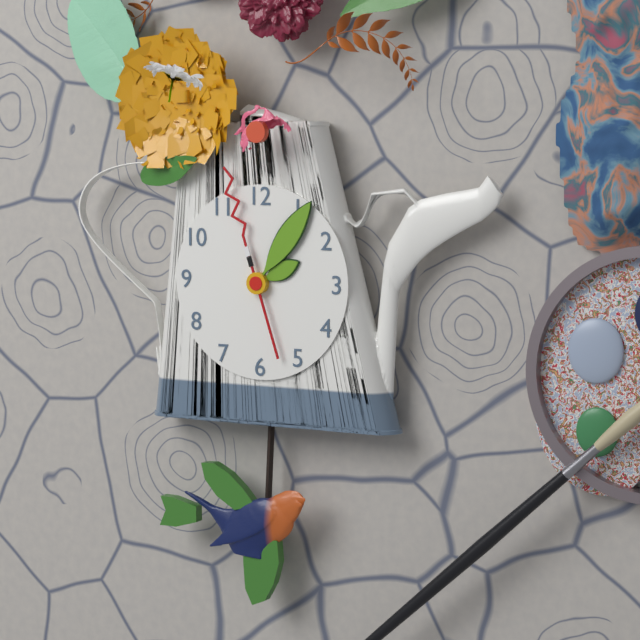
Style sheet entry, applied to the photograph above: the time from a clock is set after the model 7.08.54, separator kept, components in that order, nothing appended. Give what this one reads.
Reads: 2.06.57
